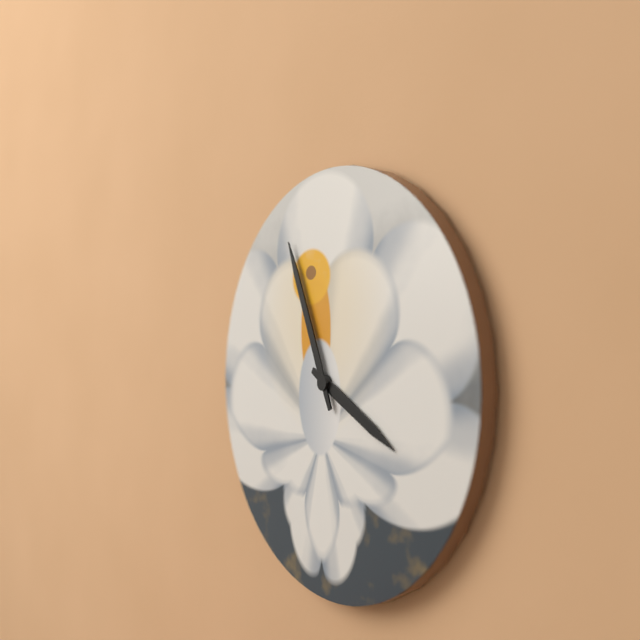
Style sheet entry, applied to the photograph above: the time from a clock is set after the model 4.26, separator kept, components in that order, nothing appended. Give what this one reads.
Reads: 3.56
